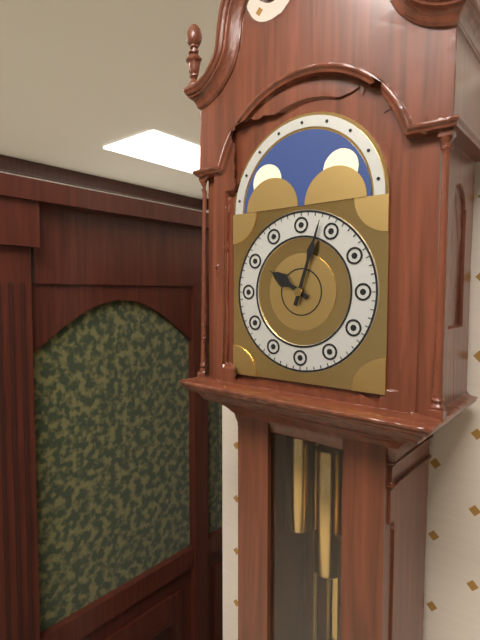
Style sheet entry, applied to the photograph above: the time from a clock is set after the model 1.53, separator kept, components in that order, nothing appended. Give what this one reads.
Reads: 10.03
